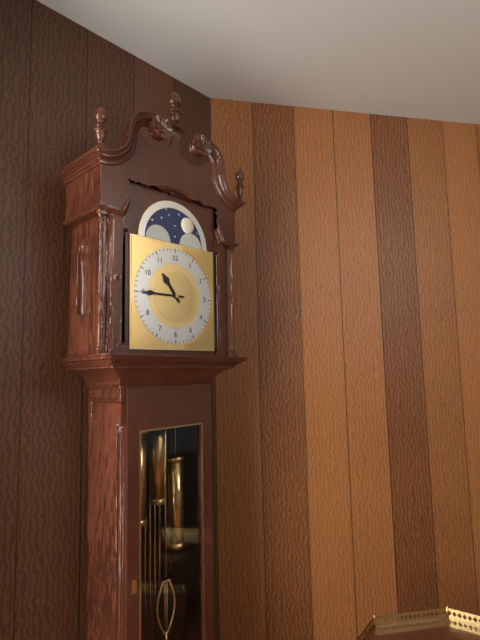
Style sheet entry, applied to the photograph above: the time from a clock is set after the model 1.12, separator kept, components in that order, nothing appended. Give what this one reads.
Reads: 10.45
